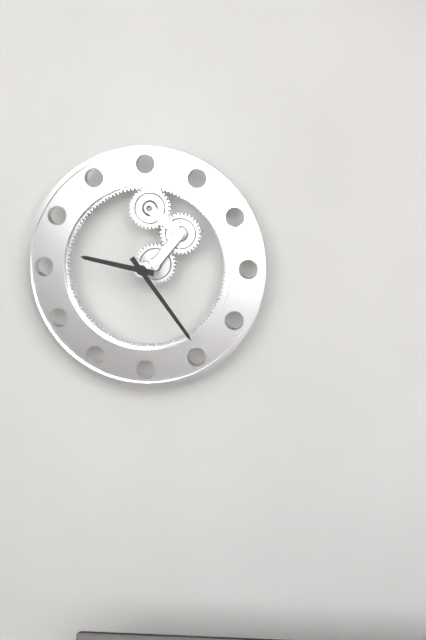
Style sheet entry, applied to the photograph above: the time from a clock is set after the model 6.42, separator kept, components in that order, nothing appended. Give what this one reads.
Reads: 9.24
